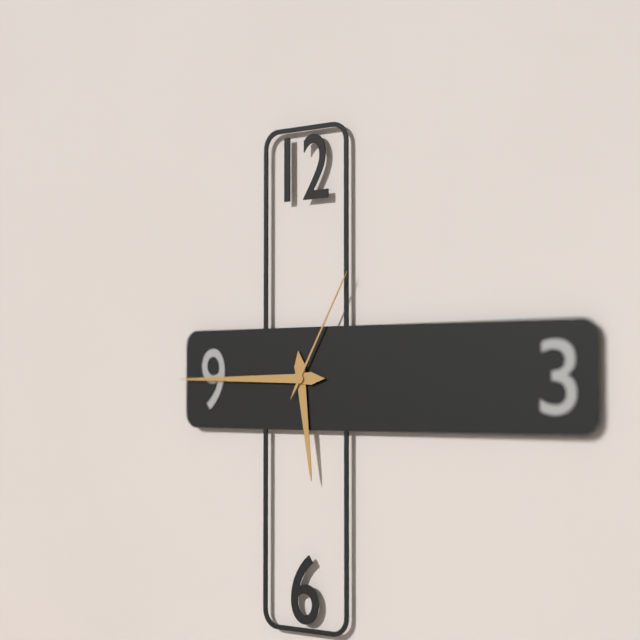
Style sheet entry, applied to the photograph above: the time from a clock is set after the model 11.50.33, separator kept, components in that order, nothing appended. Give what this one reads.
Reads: 5.45.05
